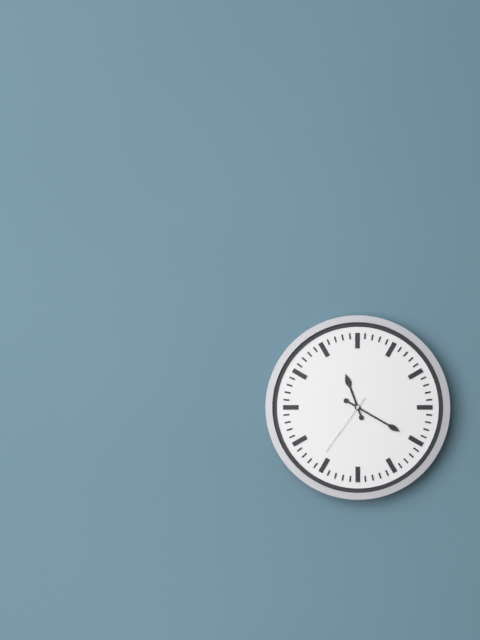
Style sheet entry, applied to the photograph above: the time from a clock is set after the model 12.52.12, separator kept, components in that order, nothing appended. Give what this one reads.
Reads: 11.20.36
